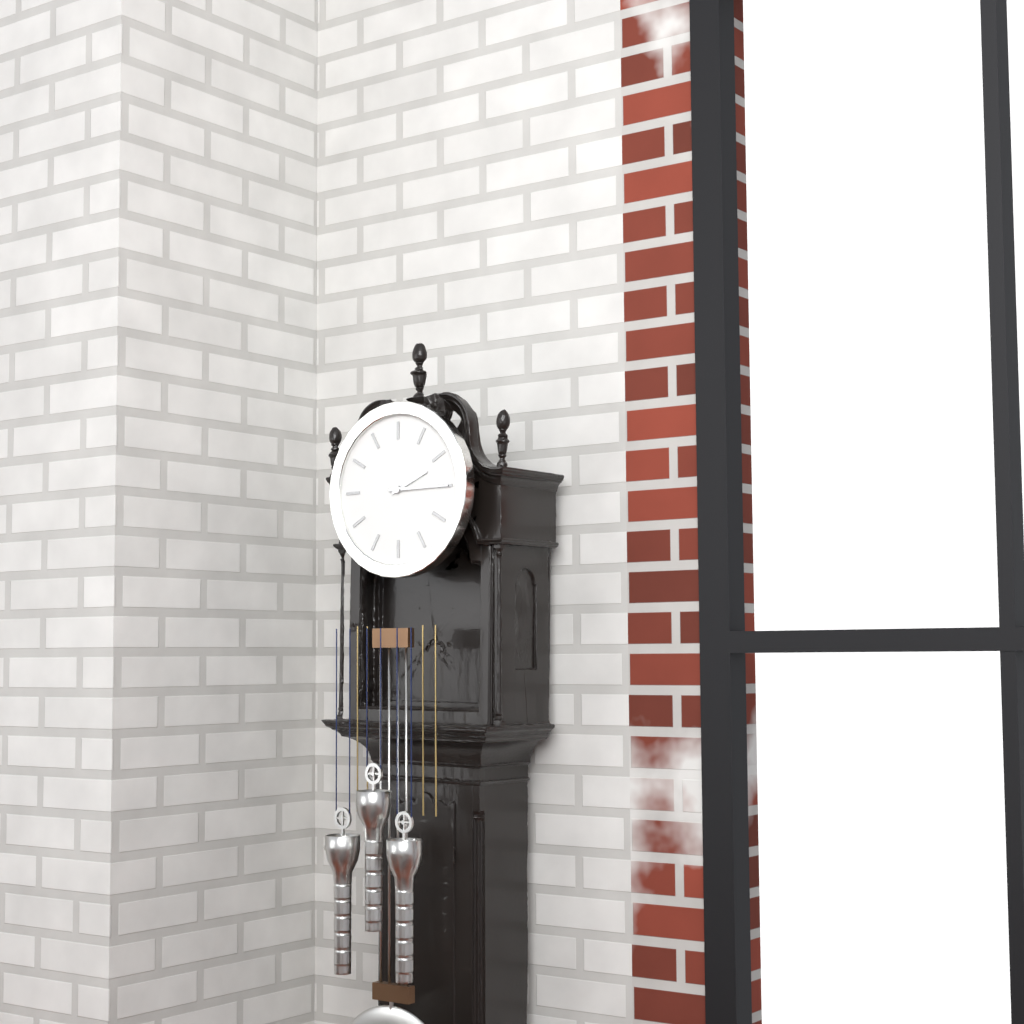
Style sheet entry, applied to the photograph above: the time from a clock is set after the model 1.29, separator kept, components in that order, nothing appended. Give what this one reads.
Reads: 2.15
